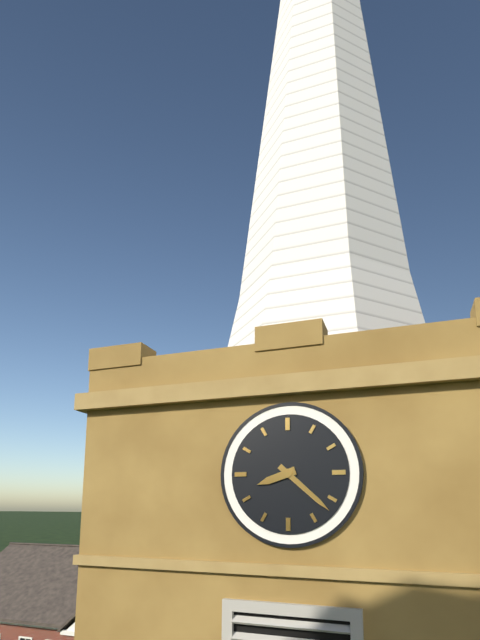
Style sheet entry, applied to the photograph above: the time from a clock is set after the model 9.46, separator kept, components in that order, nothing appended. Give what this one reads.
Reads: 8.22
